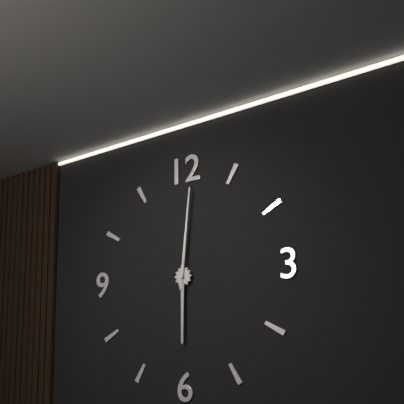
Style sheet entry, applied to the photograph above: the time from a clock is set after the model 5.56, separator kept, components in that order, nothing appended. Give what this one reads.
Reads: 6.01
